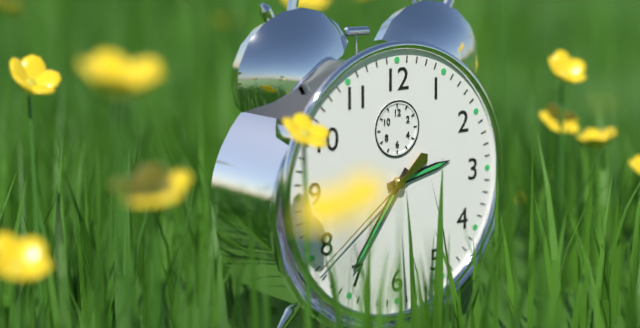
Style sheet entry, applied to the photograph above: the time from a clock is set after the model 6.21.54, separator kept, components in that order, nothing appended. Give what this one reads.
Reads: 2.36.39
